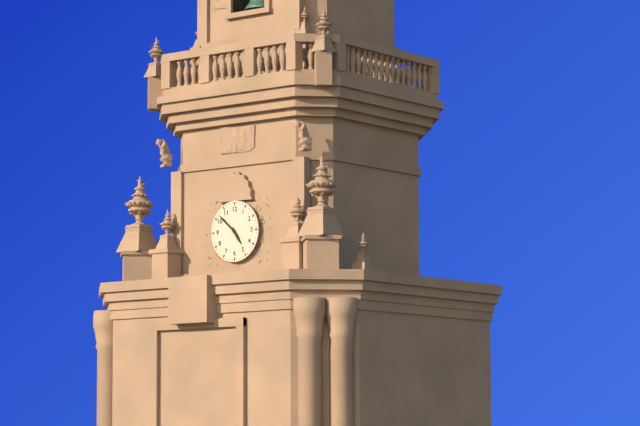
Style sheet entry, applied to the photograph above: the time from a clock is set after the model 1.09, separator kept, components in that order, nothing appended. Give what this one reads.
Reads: 4.52
